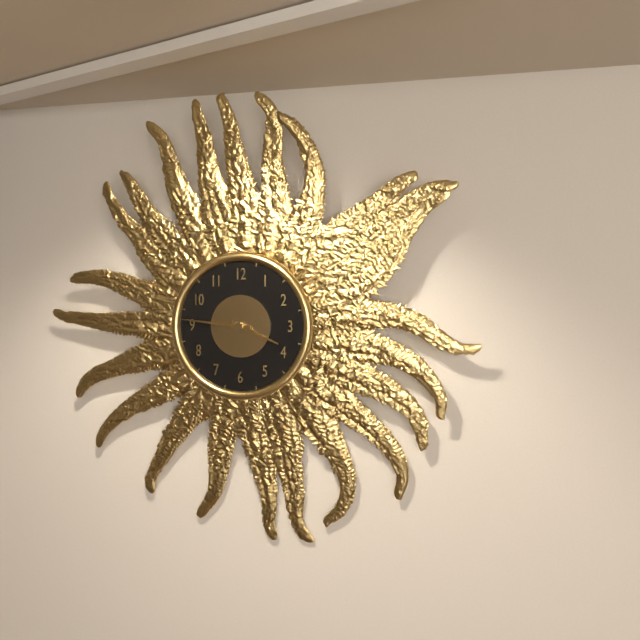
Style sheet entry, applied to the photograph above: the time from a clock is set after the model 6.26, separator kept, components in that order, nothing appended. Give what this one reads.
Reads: 3.46
